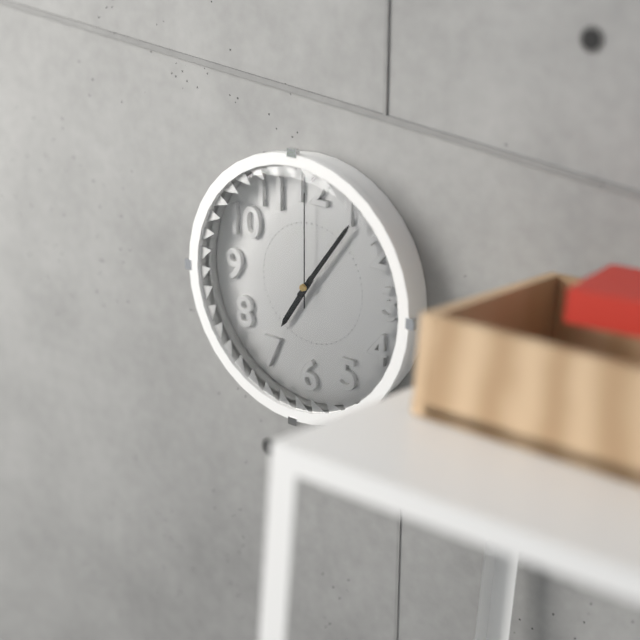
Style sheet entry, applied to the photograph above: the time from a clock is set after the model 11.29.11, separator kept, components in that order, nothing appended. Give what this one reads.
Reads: 7.06.00
